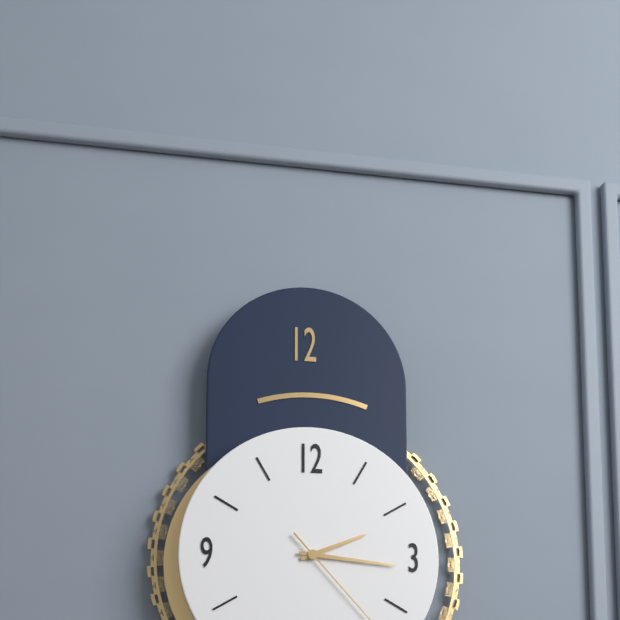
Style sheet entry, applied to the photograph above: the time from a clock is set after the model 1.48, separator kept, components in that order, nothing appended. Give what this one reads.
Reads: 2.16
